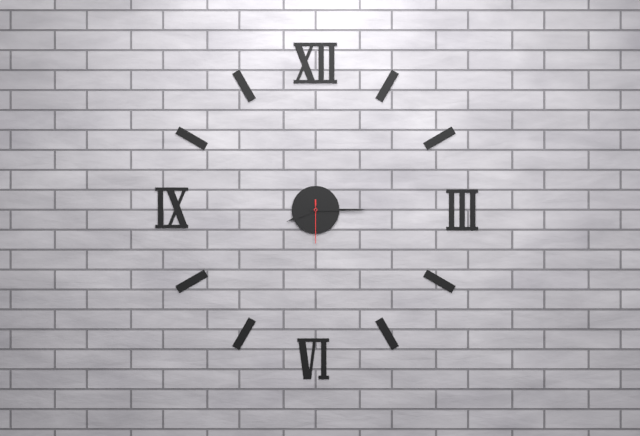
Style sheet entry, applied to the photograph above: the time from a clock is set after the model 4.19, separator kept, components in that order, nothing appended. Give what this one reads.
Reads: 8.15
